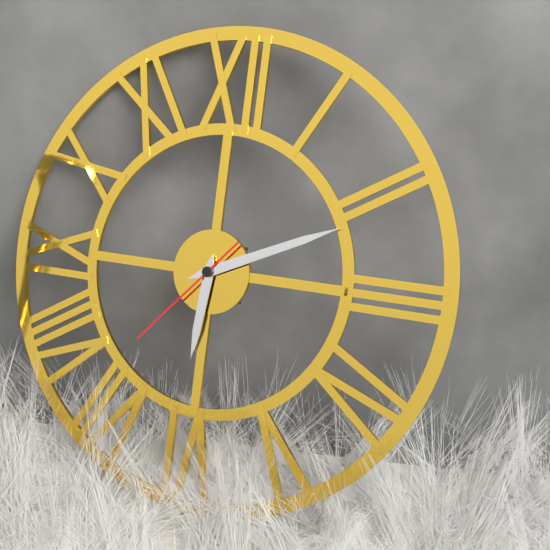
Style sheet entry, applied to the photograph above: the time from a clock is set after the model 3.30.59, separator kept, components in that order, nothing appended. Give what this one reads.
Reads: 6.11.37
